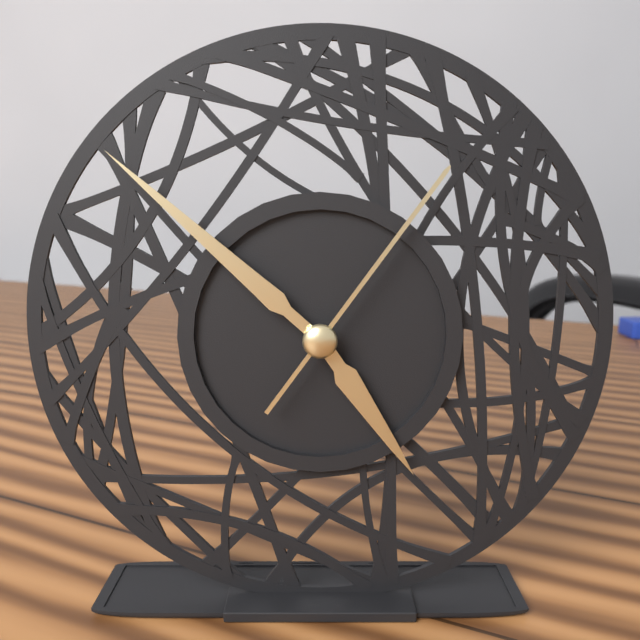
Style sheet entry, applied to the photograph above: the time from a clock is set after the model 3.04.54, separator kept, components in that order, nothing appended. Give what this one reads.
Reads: 4.52.06
